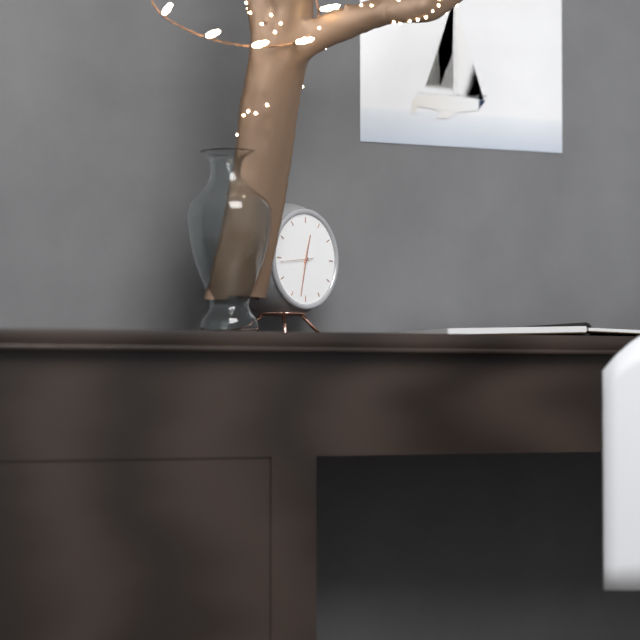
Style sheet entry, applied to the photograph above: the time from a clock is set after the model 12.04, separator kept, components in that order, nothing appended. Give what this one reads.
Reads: 12.32
